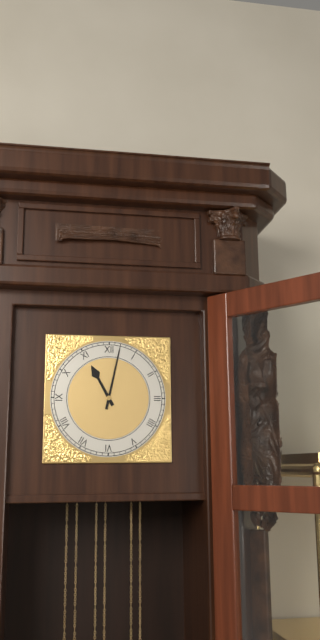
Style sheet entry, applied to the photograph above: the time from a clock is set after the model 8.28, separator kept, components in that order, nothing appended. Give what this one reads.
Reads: 11.02
